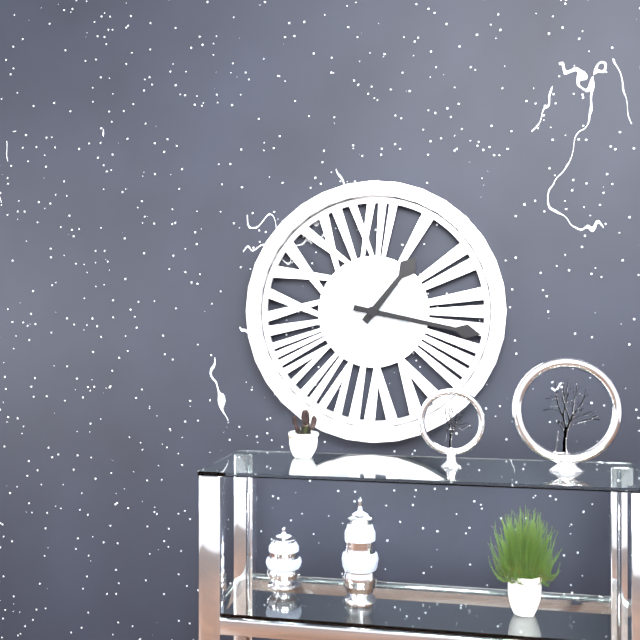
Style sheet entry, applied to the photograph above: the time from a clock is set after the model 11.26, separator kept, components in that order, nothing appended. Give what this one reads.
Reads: 1.17
